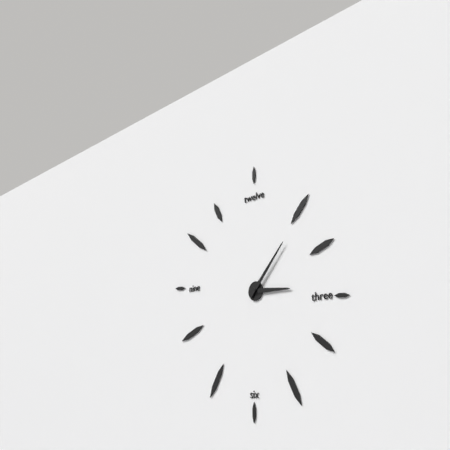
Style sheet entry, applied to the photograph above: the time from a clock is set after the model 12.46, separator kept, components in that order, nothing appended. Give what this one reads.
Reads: 3.07
